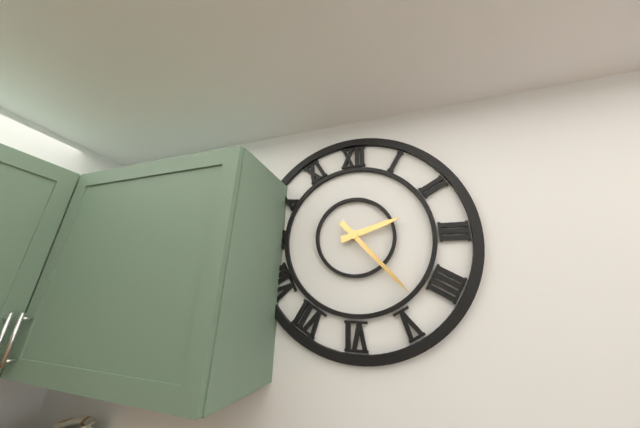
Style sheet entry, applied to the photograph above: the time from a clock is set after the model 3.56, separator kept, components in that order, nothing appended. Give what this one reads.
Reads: 2.23
